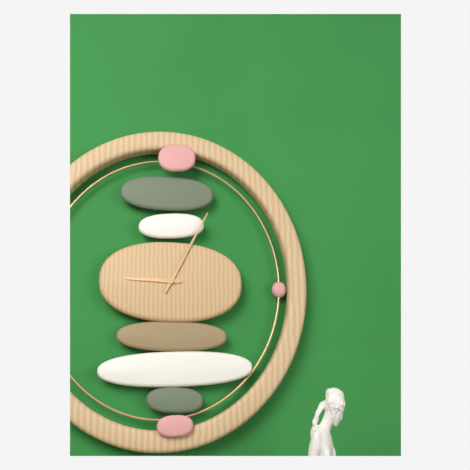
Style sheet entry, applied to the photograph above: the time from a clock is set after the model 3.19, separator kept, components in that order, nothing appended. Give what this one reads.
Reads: 9.05
